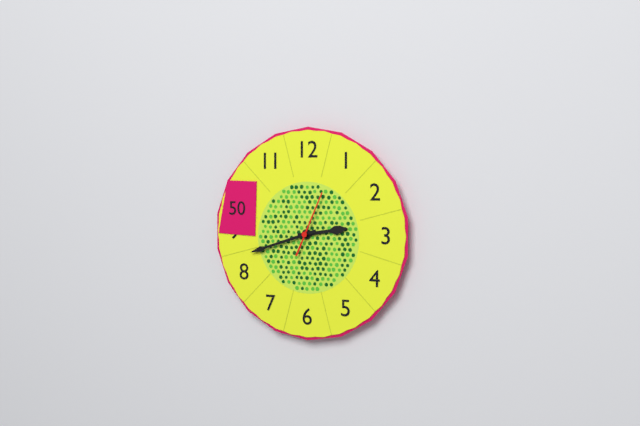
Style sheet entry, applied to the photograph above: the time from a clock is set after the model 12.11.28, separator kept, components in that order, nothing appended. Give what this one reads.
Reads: 2.42.04
